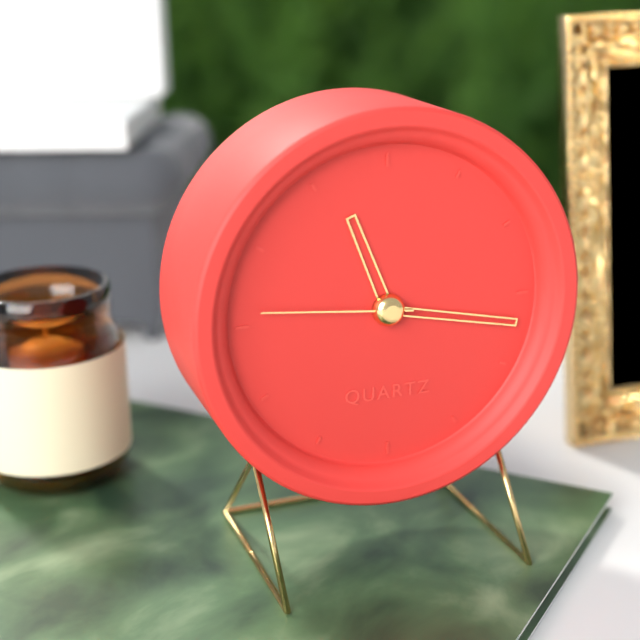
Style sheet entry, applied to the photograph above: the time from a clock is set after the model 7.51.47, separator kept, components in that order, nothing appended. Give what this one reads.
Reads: 11.17.46
